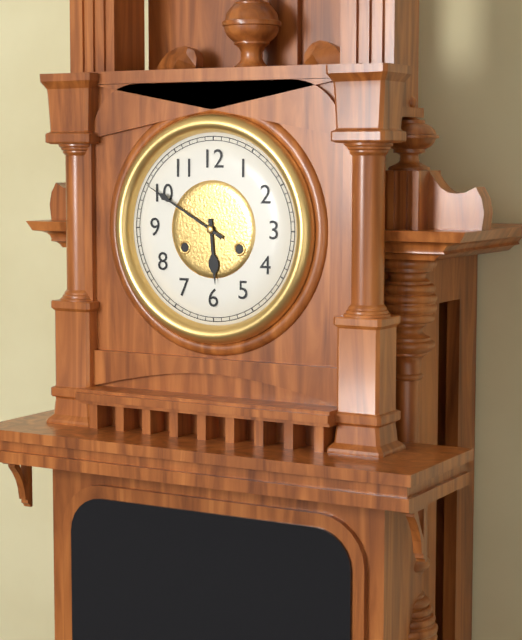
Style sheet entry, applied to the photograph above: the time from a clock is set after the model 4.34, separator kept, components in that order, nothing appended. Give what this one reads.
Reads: 5.50
